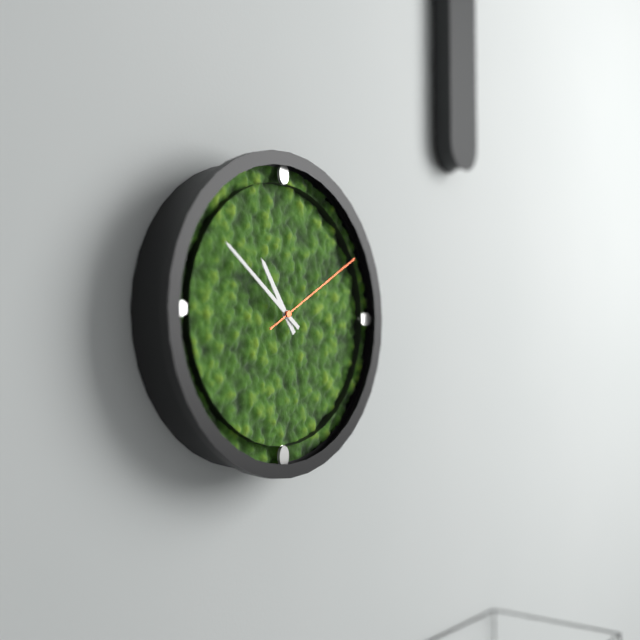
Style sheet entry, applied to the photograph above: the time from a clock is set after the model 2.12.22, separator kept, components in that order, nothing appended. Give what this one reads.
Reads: 10.51.10
